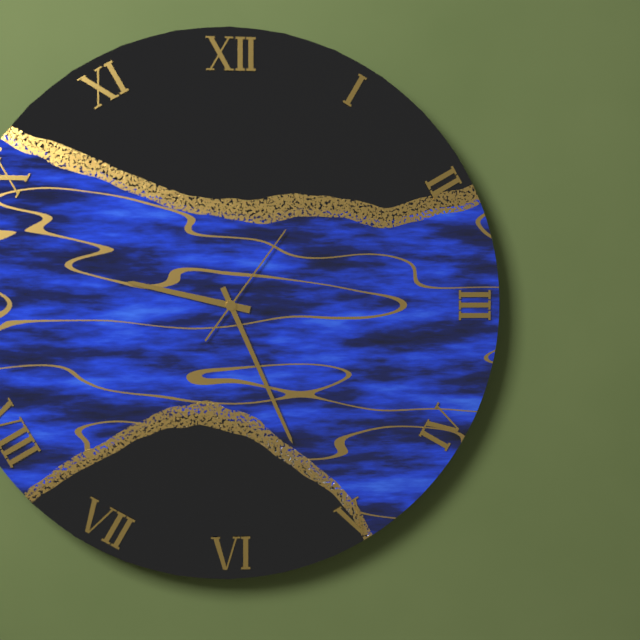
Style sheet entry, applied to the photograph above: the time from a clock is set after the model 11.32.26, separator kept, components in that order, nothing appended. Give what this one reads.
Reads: 9.26.06
